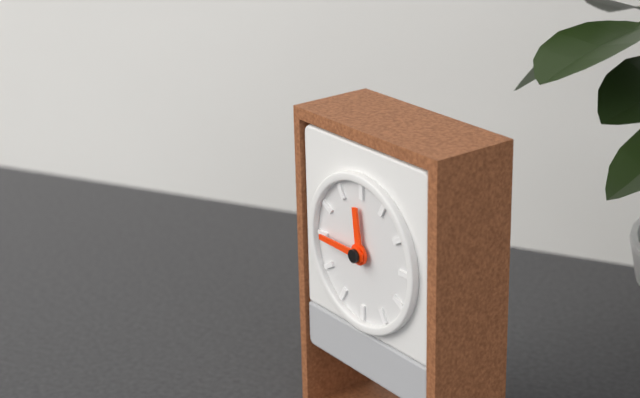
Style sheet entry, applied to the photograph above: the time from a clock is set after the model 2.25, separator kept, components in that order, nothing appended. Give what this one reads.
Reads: 11.45
